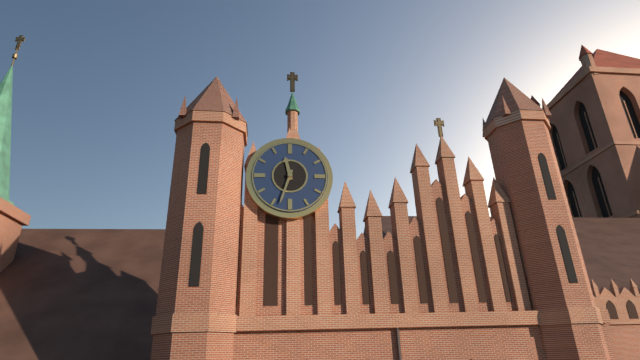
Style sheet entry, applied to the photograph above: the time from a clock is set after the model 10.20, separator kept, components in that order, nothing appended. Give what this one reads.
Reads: 11.33
